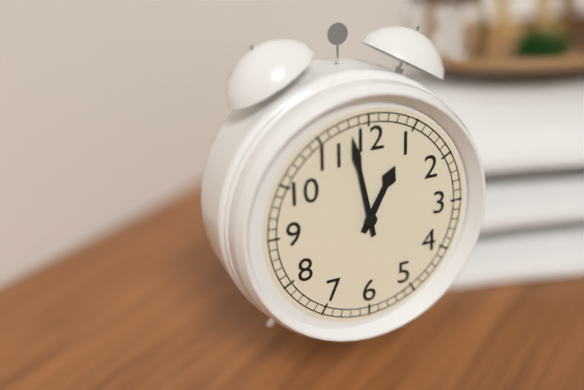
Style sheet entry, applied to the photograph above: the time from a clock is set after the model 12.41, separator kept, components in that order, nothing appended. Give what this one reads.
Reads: 12.58
